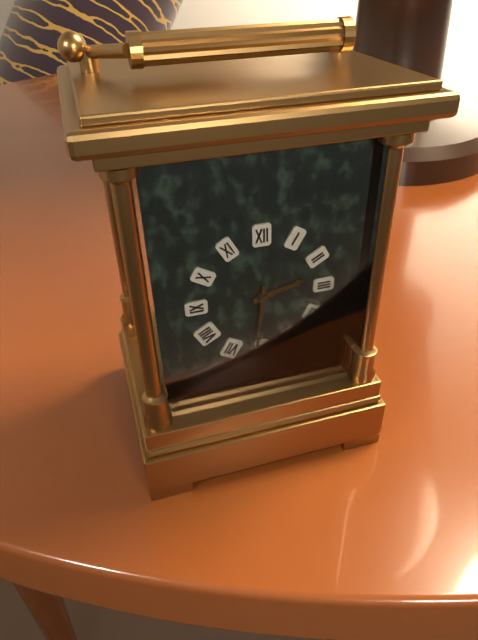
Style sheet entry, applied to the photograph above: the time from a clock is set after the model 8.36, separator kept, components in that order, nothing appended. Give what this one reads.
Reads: 2.31
